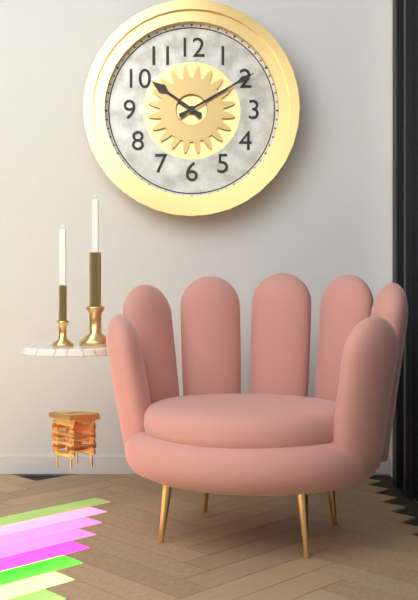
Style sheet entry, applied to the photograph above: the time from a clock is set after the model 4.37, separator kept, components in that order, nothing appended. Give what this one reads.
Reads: 10.10
